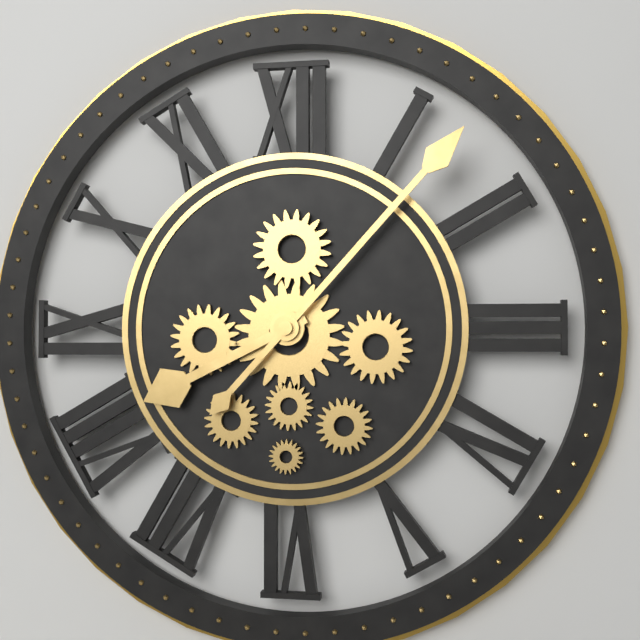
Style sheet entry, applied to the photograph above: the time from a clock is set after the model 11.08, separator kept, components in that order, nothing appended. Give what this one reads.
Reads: 8.07
